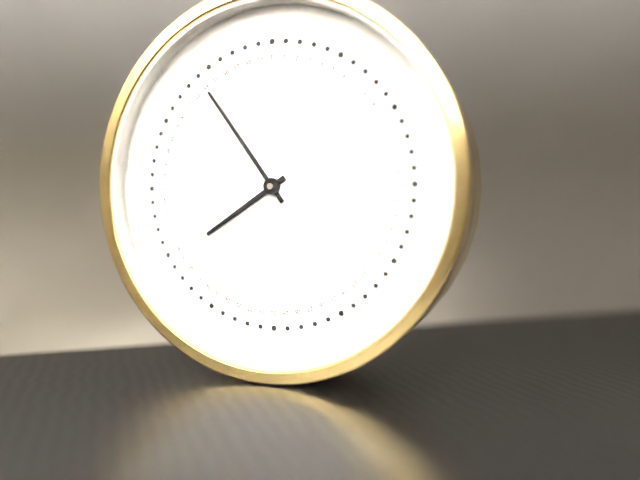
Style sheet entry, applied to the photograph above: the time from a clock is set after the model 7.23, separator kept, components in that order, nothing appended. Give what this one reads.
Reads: 7.54
